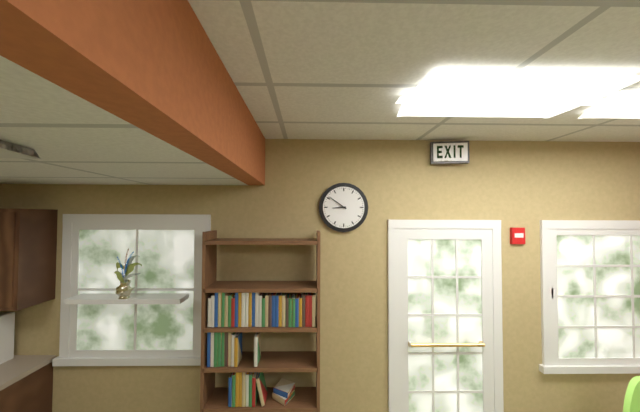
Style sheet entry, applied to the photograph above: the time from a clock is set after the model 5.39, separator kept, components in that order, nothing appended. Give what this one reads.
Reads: 8.51
